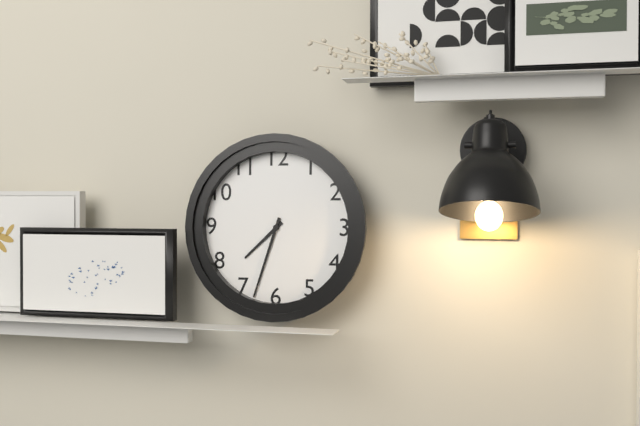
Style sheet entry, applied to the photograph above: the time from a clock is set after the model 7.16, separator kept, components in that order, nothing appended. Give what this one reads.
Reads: 7.33
